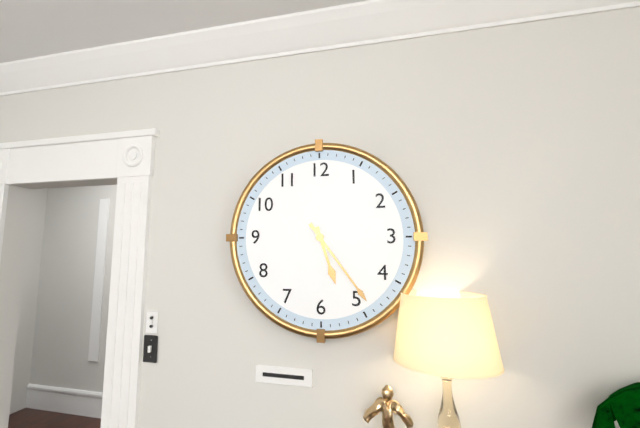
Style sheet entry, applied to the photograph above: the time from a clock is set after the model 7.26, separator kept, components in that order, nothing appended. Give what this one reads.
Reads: 5.24
